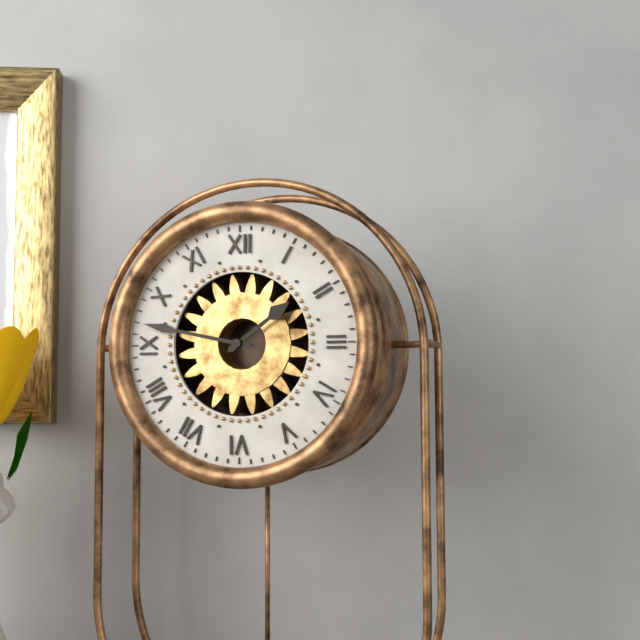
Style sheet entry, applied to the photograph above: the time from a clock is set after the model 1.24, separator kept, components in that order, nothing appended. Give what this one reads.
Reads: 1.47
